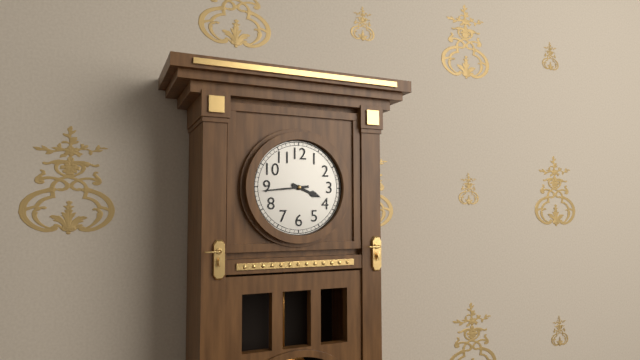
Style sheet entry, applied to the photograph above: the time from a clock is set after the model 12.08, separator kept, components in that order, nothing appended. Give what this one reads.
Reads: 3.44
